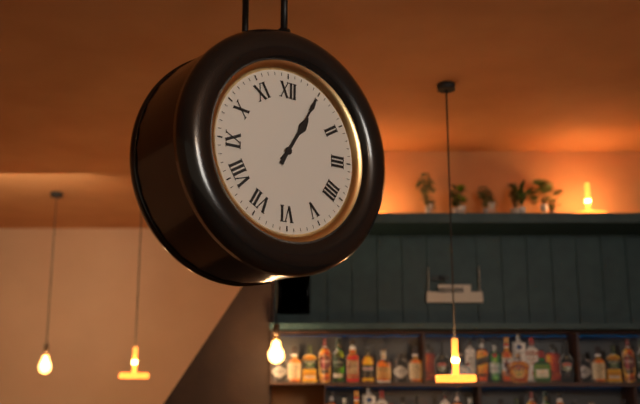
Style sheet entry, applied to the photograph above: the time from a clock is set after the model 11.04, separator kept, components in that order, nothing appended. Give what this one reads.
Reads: 1.05
